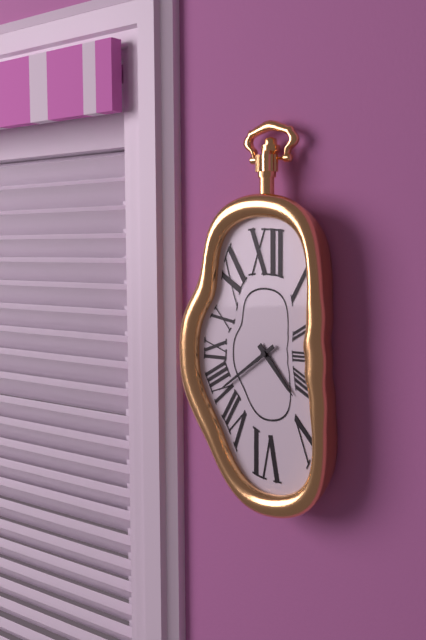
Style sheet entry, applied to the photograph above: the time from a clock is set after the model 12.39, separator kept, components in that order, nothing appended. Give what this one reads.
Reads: 4.39
